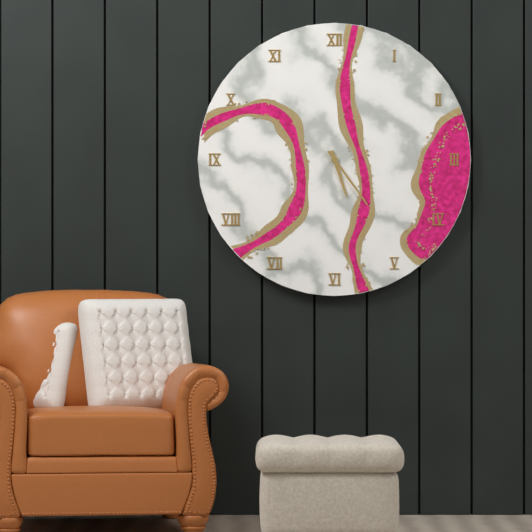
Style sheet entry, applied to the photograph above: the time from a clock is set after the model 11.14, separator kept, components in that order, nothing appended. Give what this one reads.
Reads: 5.24
